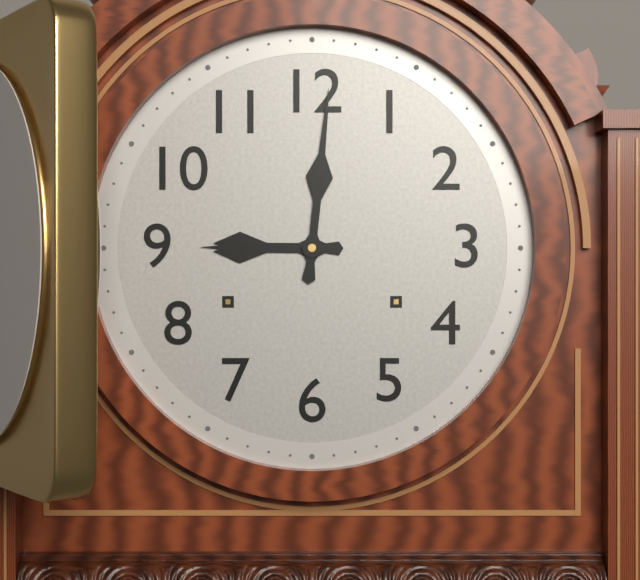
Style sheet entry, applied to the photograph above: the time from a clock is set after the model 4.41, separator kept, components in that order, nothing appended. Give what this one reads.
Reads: 9.01
